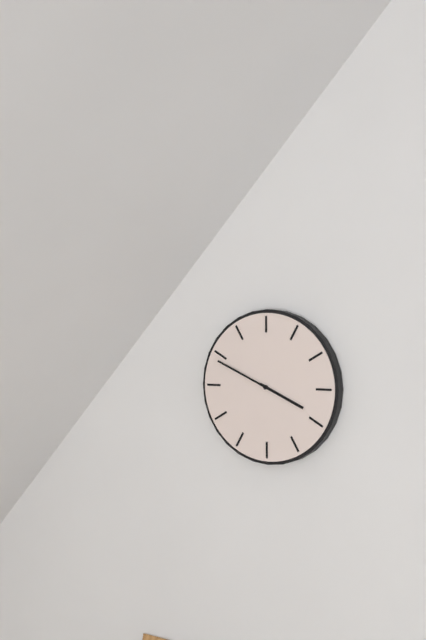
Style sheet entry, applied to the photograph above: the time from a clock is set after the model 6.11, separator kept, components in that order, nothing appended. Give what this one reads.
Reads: 3.49
